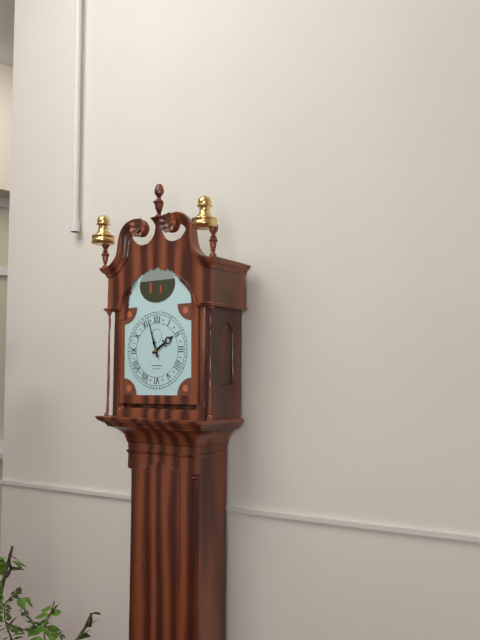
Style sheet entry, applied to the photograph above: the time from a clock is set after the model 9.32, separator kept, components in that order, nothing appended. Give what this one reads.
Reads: 1.57
